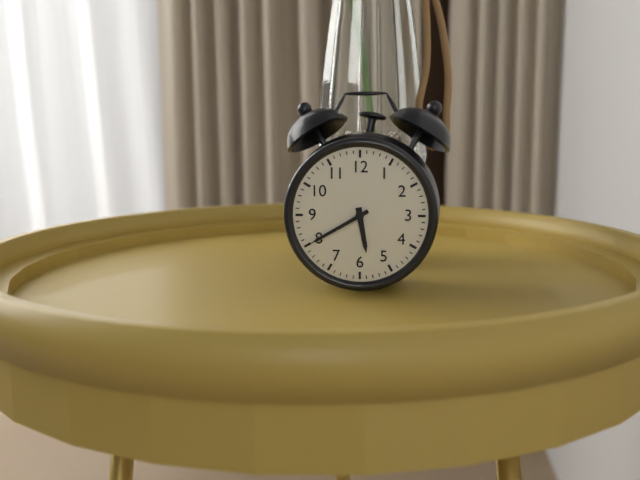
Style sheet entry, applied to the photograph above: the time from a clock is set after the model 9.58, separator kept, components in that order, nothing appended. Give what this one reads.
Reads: 5.40
